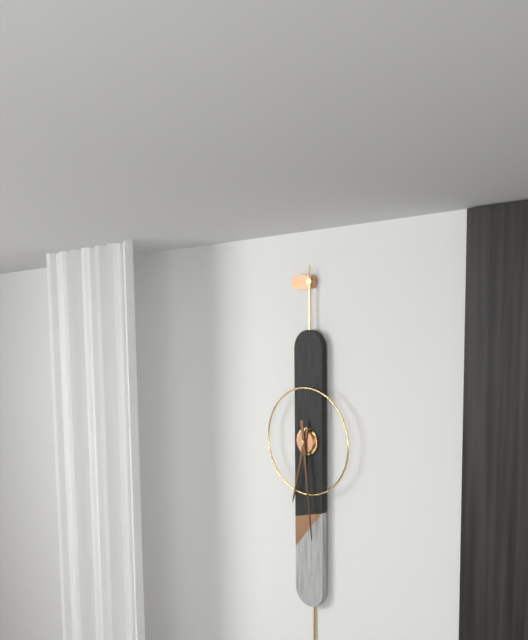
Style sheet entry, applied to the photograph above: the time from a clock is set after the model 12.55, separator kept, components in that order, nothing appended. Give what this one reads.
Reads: 6.29
